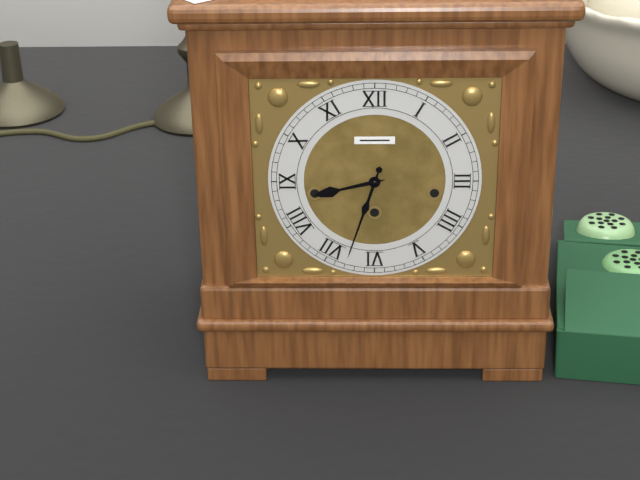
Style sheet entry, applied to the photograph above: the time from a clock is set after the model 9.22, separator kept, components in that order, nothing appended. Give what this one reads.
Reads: 8.33
